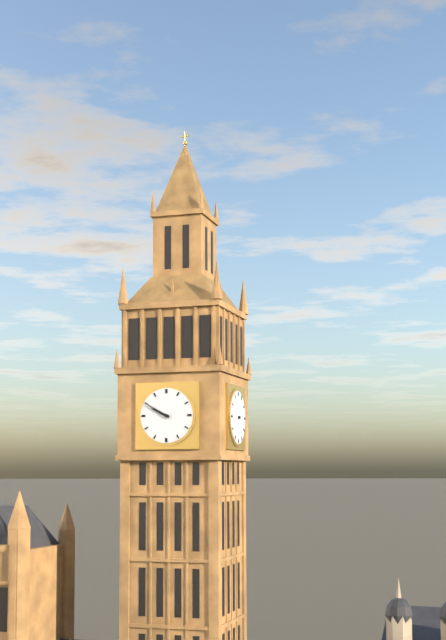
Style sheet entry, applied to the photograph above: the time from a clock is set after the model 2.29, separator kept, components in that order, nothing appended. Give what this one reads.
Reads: 9.50
